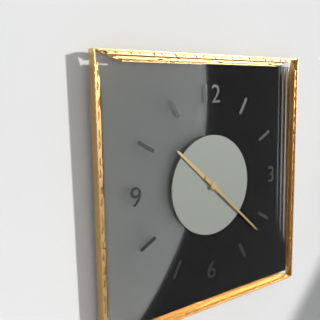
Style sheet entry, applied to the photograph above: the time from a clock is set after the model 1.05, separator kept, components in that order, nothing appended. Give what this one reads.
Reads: 10.22
